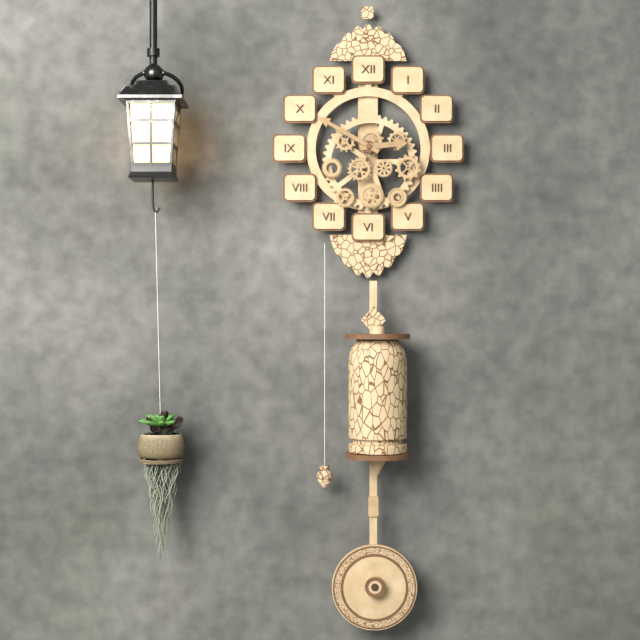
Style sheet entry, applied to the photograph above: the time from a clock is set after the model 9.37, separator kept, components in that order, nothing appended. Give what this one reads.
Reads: 2.50
